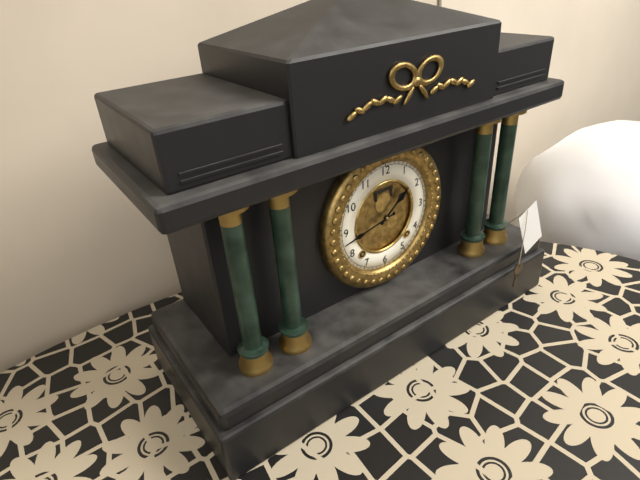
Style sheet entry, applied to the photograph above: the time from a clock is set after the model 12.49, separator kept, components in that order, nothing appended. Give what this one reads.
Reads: 1.43
